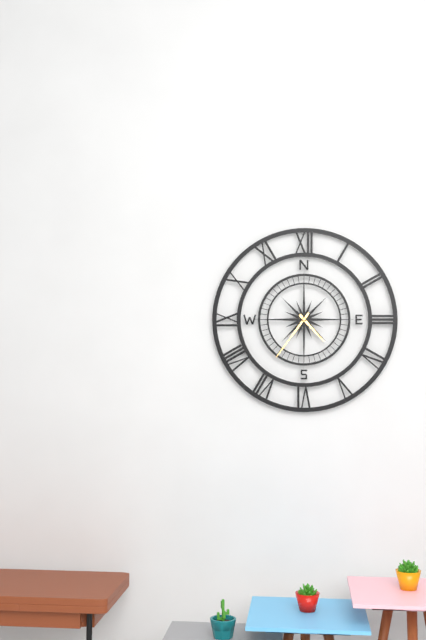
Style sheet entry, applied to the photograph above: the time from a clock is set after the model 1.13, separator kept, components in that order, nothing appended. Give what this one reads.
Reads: 4.36
